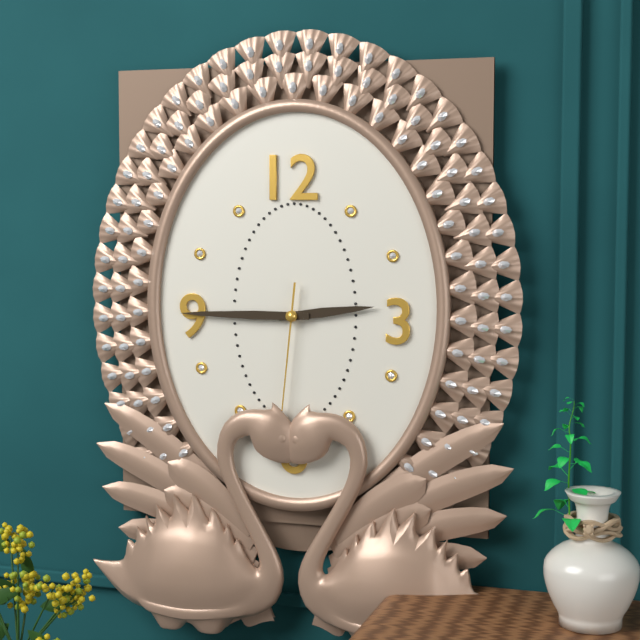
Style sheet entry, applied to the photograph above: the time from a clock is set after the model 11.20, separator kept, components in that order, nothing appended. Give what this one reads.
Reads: 2.45
